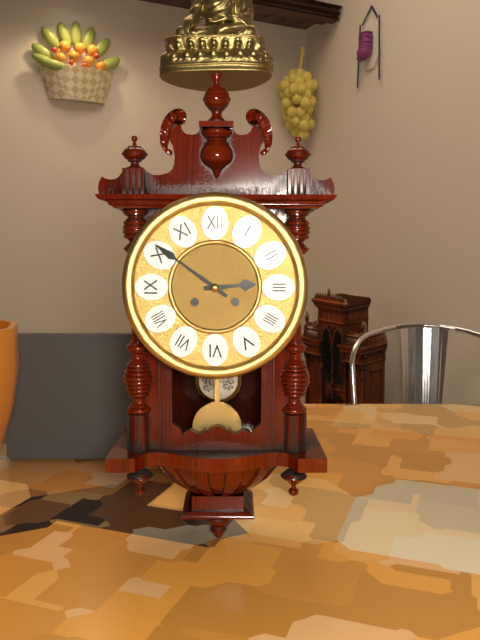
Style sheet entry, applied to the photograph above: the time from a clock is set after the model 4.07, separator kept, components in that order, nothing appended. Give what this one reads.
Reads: 2.51
